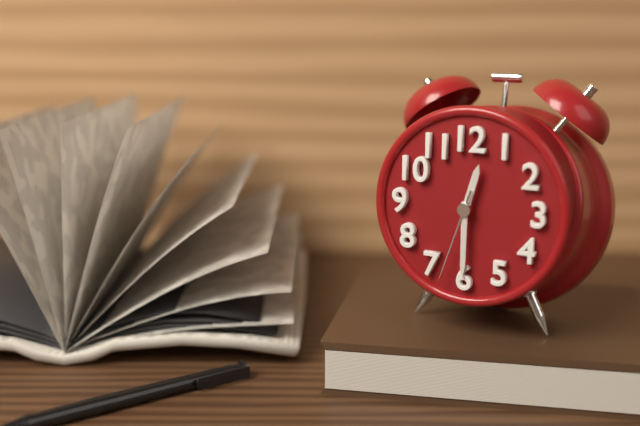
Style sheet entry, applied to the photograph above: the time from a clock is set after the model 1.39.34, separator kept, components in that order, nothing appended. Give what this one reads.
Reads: 12.30.33
